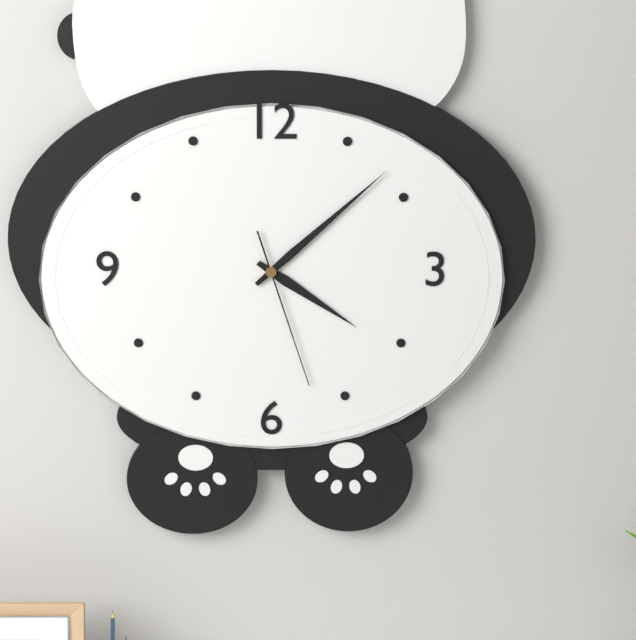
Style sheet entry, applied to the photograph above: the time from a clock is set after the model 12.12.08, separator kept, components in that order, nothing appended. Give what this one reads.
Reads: 4.08.27
